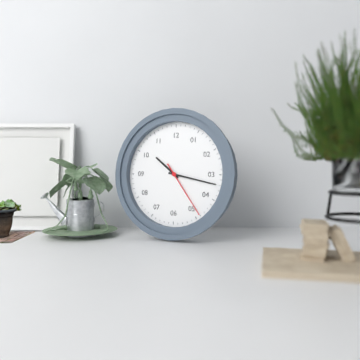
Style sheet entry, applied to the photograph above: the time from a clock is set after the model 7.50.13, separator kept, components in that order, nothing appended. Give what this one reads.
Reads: 10.17.24
